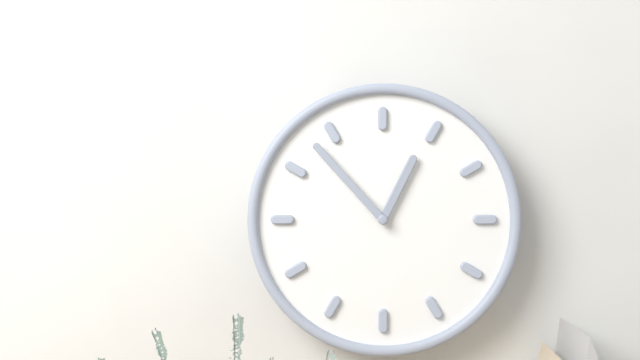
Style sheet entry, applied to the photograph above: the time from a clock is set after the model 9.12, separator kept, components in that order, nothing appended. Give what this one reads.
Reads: 12.53
